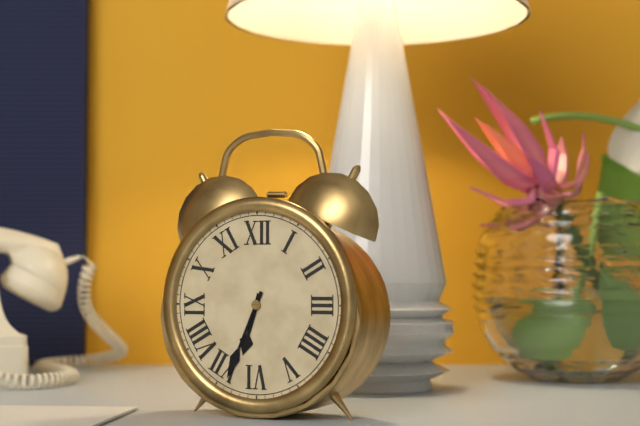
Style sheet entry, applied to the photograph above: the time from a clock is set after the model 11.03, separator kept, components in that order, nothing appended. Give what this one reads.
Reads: 6.34
